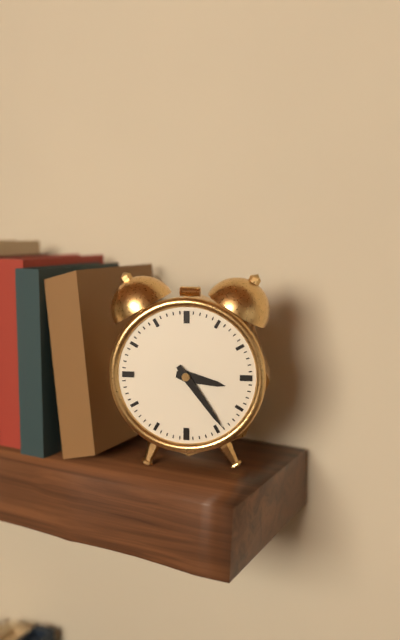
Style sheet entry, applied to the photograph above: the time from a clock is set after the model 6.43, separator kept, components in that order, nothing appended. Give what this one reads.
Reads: 3.24
